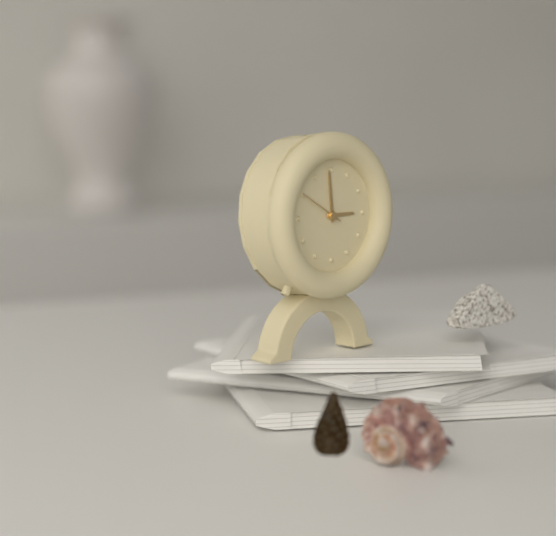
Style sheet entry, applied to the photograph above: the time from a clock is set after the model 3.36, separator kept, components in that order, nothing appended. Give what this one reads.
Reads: 2.59
